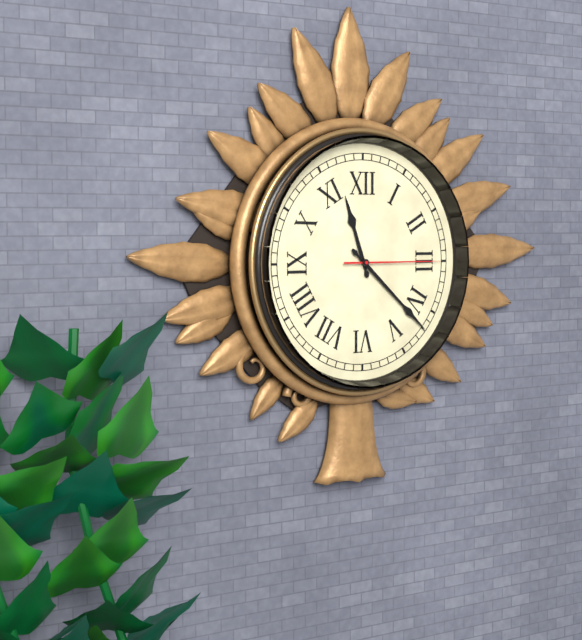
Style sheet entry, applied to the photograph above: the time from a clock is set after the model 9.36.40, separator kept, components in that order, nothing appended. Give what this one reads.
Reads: 11.22.15
